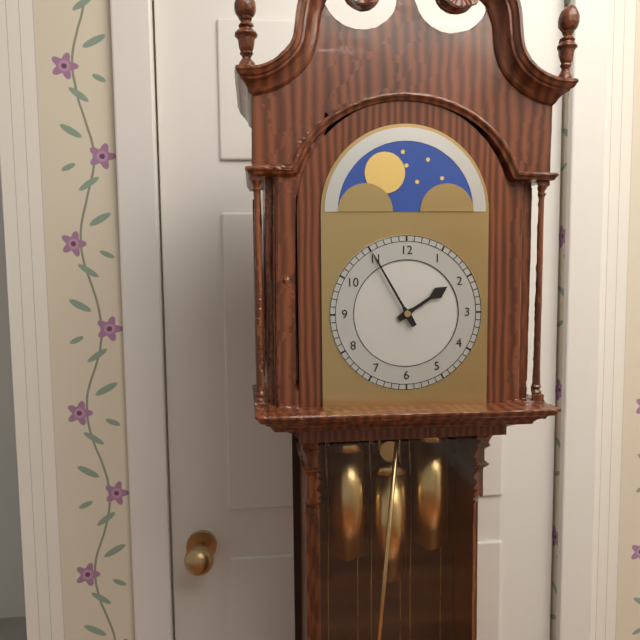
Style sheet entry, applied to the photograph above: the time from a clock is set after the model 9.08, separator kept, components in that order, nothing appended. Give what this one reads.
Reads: 1.55
